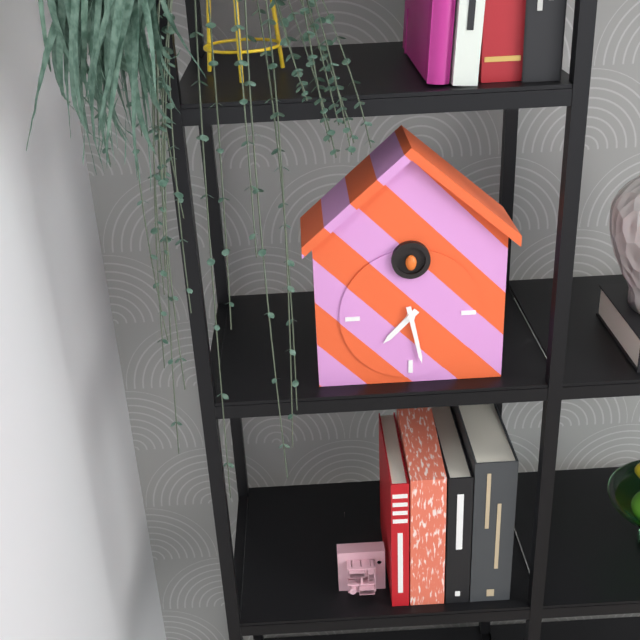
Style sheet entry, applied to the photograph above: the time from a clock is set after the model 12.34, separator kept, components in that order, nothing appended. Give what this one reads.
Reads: 7.28
